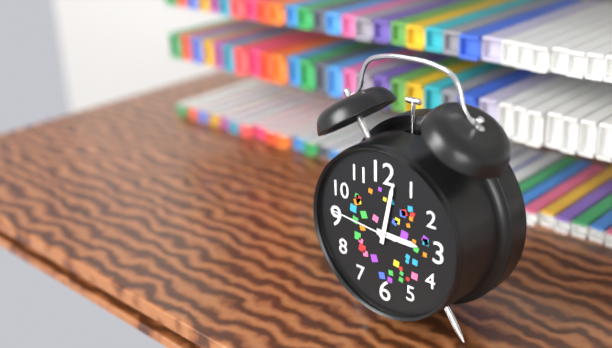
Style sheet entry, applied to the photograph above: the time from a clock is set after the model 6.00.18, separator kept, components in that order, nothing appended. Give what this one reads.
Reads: 3.02.46
